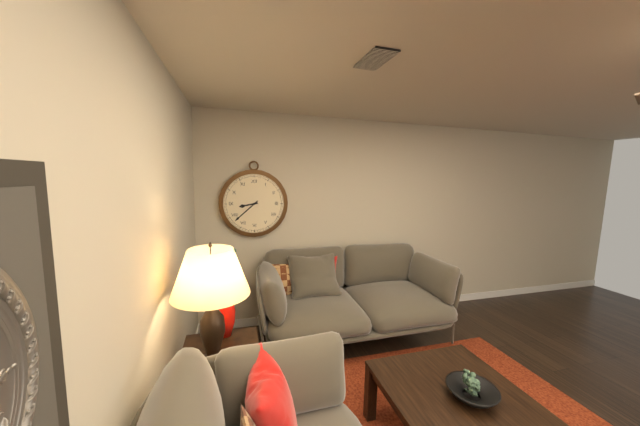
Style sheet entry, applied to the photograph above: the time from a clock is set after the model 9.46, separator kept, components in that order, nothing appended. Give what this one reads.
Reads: 8.38
